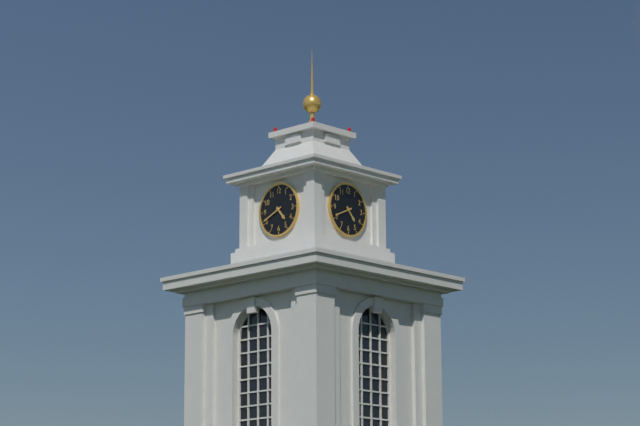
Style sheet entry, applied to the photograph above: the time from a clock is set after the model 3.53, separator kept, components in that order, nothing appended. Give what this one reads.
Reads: 4.41
